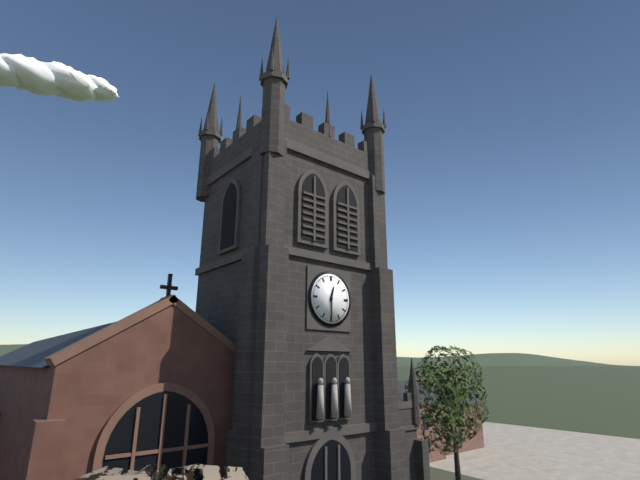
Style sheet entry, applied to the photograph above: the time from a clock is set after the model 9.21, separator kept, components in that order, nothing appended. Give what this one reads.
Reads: 12.30
